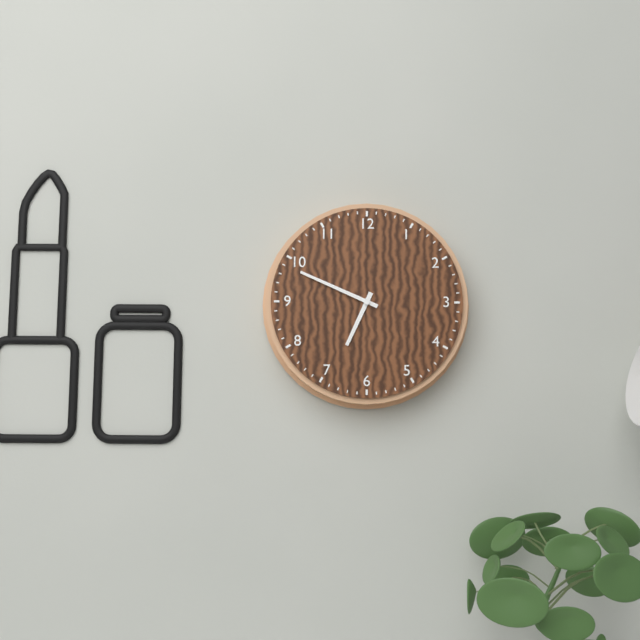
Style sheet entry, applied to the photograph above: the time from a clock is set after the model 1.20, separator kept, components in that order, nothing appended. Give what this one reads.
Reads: 6.49
